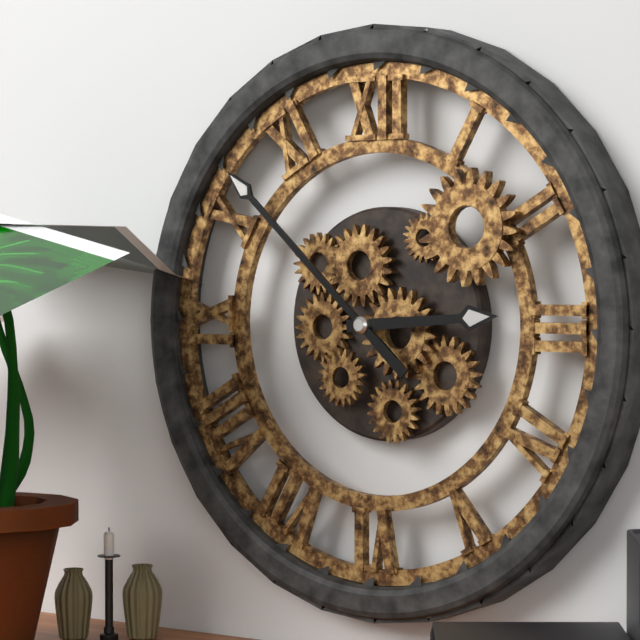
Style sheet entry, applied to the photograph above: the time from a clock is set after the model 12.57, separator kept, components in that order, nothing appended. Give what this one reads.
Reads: 2.52
